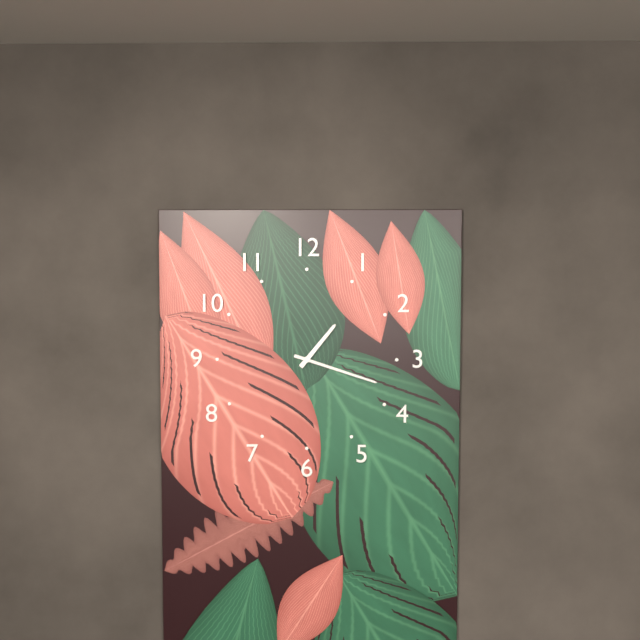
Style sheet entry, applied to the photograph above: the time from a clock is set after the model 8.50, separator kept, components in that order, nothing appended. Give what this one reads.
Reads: 1.18
